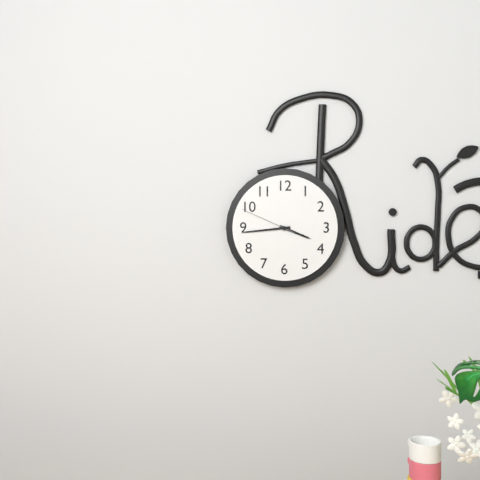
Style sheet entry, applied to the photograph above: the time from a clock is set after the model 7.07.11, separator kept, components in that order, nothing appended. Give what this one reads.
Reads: 3.44.49
